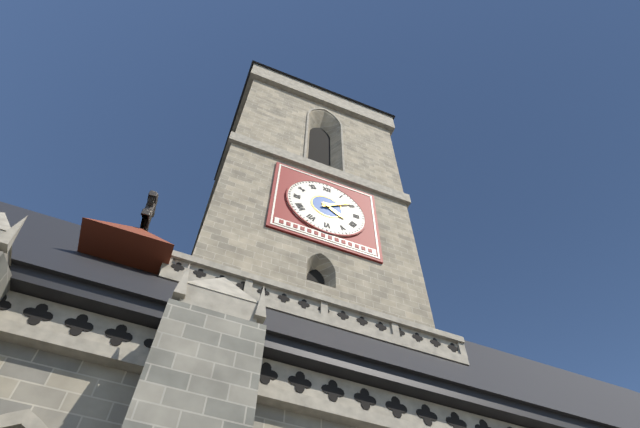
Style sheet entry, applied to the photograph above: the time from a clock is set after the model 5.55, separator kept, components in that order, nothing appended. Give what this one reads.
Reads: 4.09
